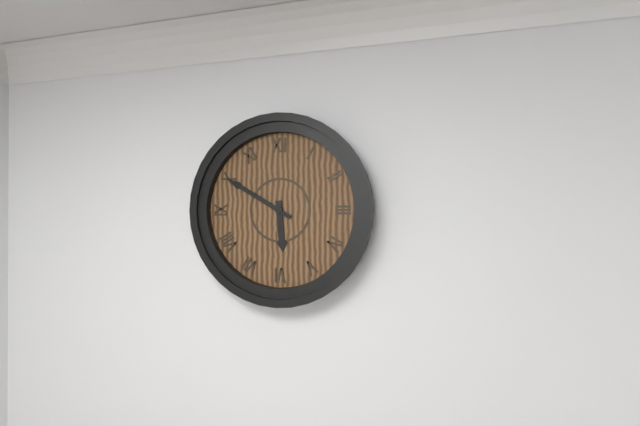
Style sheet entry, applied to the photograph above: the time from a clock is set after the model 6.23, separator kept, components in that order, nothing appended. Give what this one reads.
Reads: 5.50
